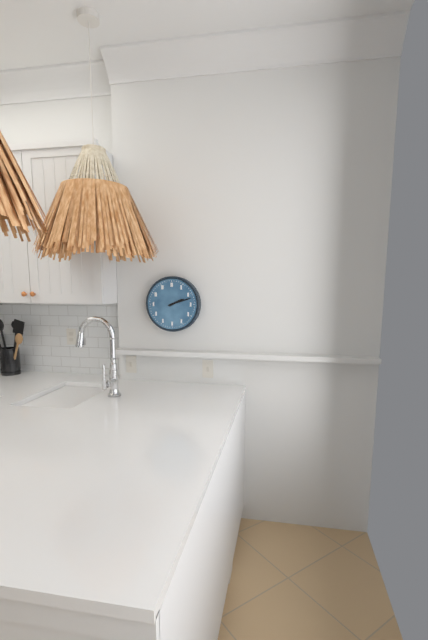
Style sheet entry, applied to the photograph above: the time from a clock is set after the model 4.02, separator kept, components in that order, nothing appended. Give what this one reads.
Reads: 2.12
